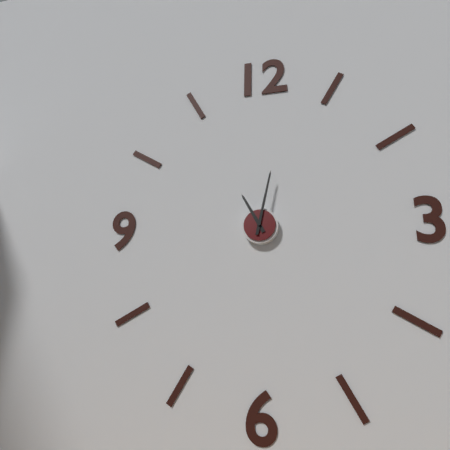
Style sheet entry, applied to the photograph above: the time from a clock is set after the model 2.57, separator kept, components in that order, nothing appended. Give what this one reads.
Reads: 11.02
